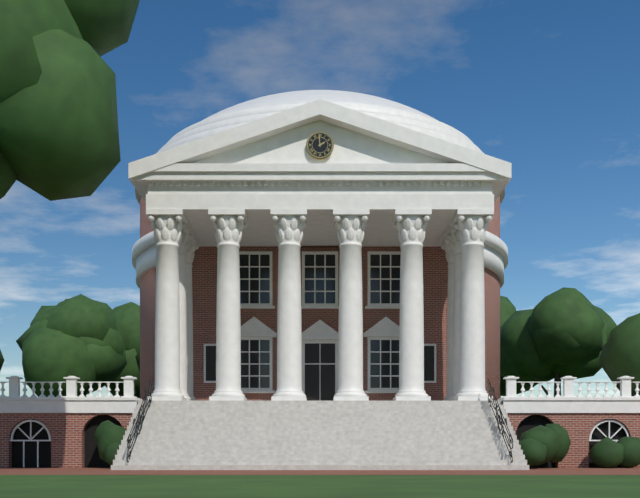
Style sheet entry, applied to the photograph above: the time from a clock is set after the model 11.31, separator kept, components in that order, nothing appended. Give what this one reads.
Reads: 1.59
